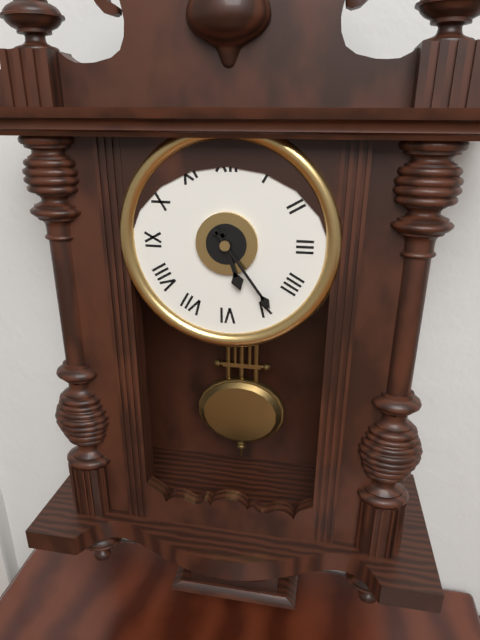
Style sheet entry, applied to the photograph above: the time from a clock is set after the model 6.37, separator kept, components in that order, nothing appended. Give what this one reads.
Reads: 5.24
